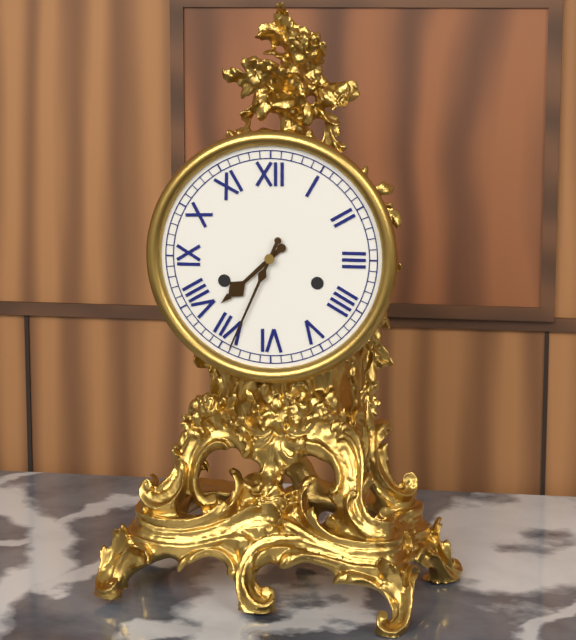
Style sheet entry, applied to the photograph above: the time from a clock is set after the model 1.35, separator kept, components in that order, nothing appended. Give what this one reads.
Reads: 7.34
